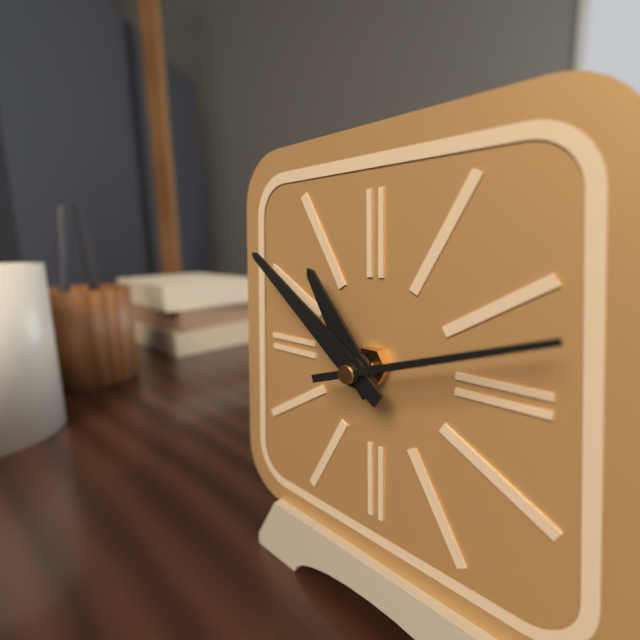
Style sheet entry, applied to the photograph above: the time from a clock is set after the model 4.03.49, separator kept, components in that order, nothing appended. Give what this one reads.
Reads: 10.51.12
